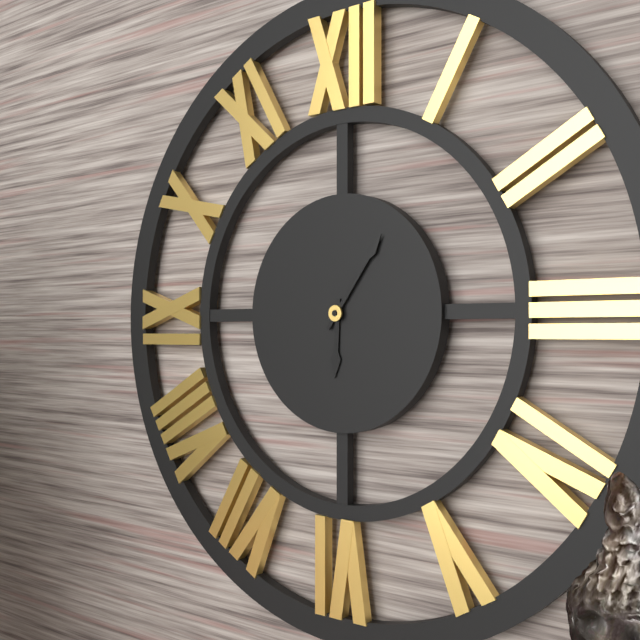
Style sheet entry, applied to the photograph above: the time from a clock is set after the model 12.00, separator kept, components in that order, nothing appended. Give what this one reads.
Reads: 6.06
